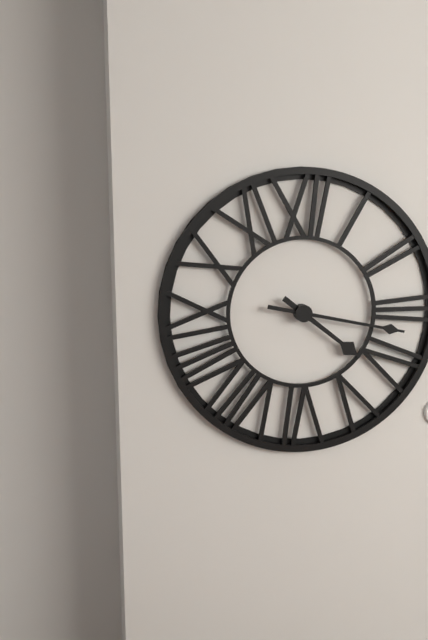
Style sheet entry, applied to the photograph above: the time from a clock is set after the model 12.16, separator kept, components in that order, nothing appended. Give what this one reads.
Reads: 4.17
